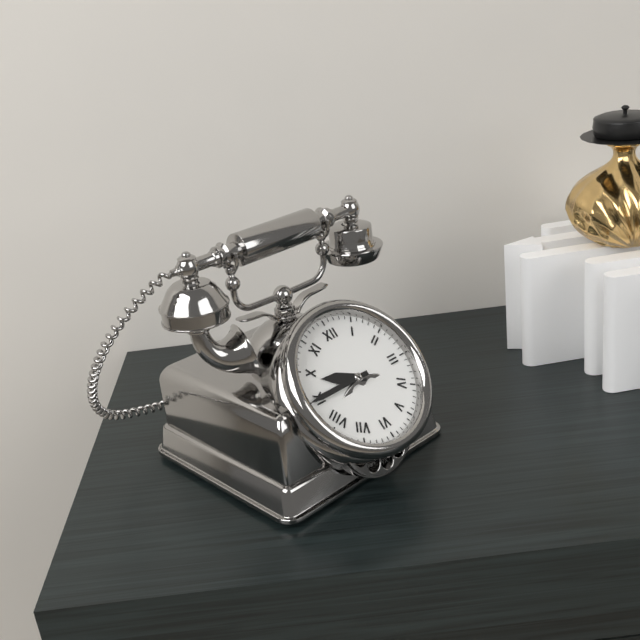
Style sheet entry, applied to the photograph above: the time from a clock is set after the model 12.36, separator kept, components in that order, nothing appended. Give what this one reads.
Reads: 9.45
